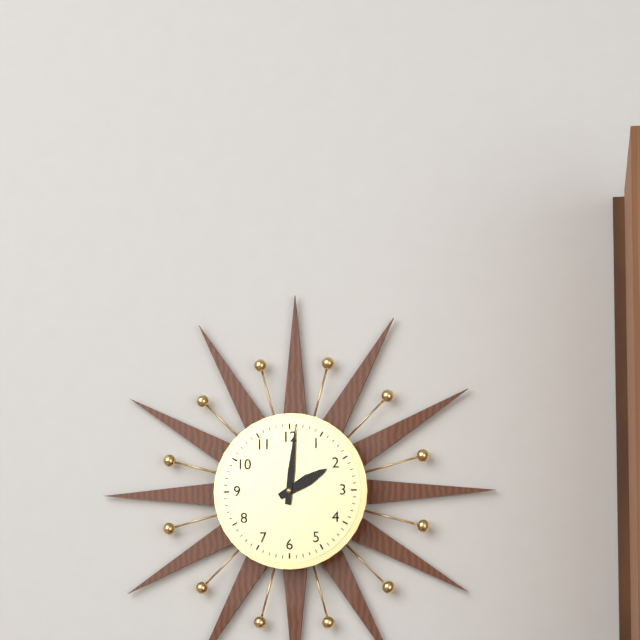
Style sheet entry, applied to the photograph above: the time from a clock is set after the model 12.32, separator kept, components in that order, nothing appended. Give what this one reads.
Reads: 2.01
